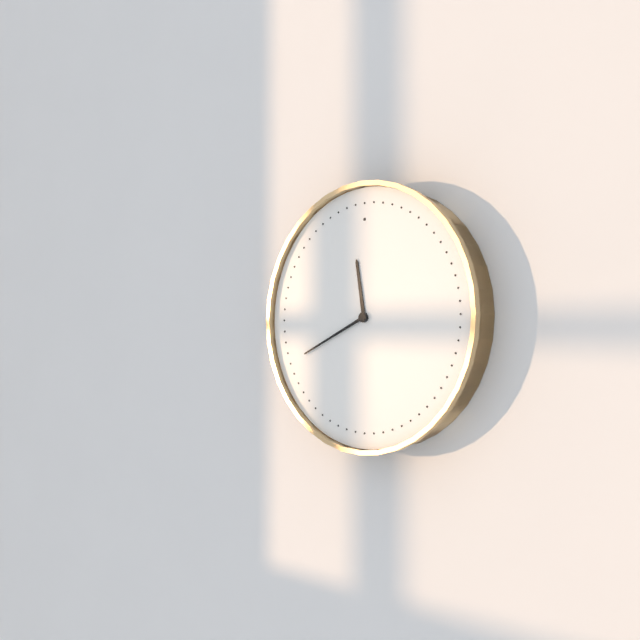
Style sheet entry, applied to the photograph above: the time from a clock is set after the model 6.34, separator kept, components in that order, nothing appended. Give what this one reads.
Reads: 11.41
